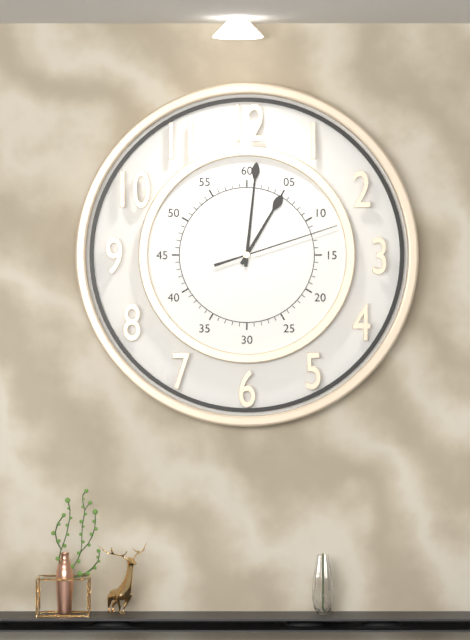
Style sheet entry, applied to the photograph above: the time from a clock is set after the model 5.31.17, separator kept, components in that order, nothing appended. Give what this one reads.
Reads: 1.01.12
